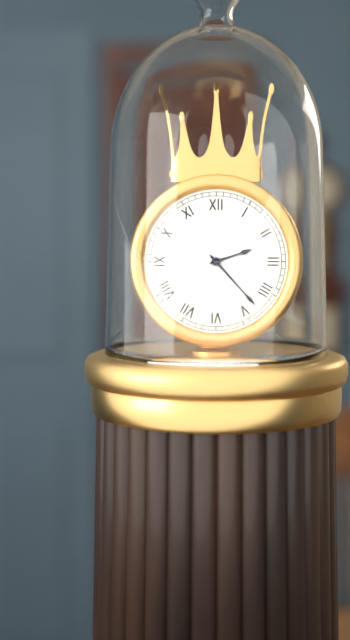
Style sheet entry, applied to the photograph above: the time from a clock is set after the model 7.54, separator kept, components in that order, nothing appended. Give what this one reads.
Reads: 2.23
